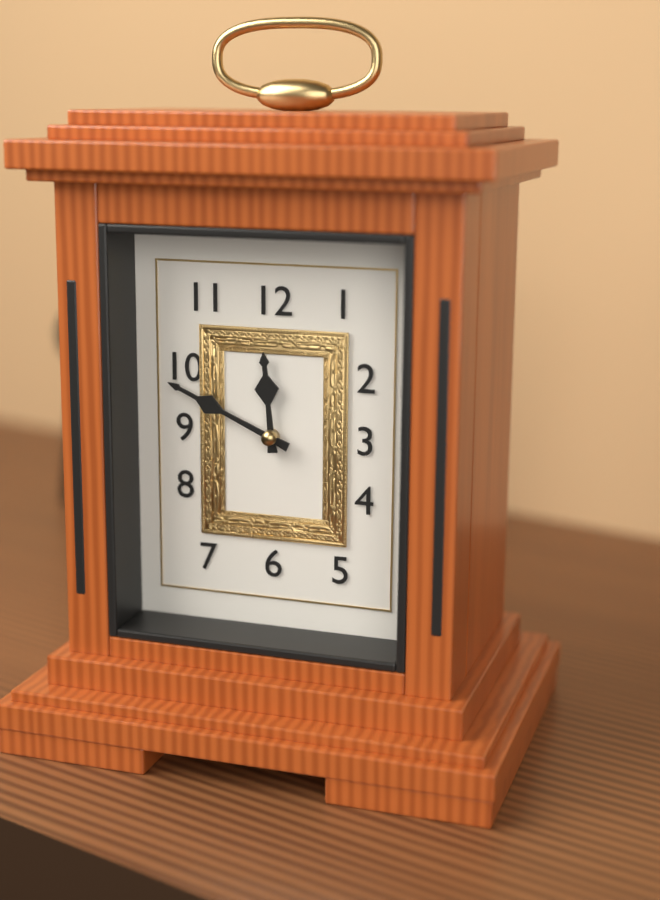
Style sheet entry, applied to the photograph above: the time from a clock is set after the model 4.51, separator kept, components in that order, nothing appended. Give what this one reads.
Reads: 11.49
